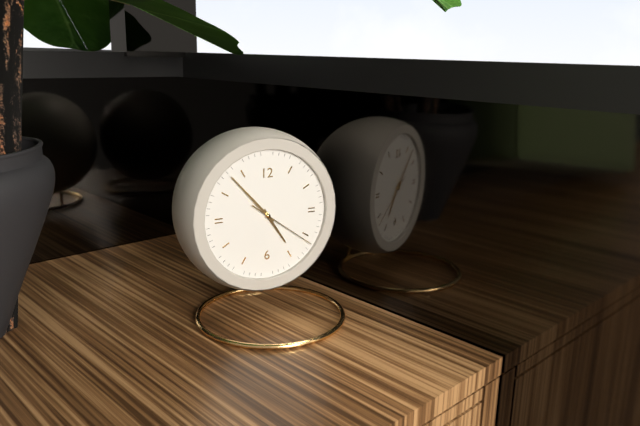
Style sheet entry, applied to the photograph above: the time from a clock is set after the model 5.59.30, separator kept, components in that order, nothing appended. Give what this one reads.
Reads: 4.53.21
